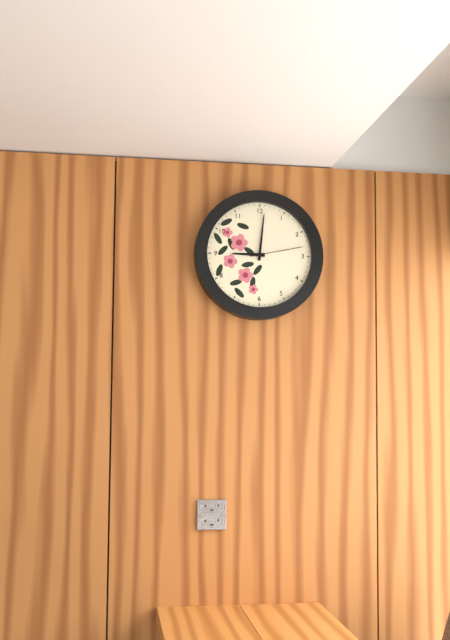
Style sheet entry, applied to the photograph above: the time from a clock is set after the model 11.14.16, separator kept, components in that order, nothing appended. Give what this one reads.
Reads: 9.01.13
